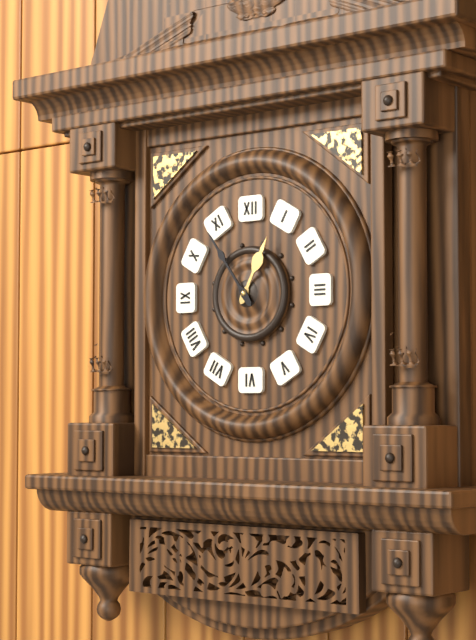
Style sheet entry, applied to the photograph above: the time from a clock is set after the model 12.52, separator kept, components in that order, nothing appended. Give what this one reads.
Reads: 12.54
